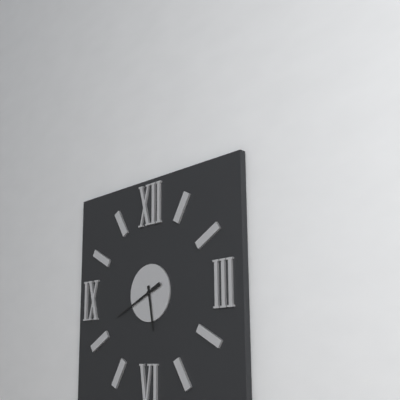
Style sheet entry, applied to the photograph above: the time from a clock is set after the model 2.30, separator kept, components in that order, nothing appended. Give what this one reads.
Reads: 5.41
